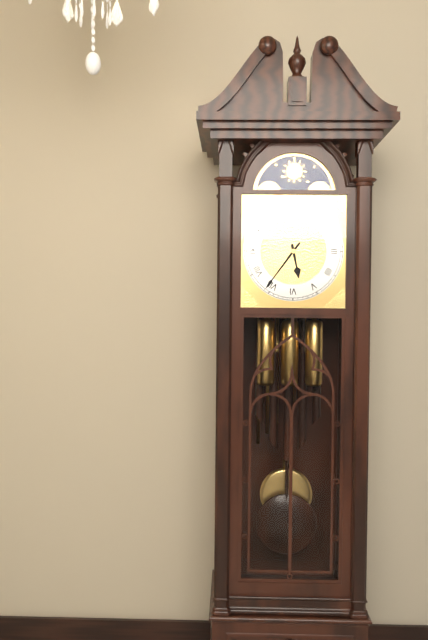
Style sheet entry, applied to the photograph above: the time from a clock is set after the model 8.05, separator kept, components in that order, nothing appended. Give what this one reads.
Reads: 5.36
